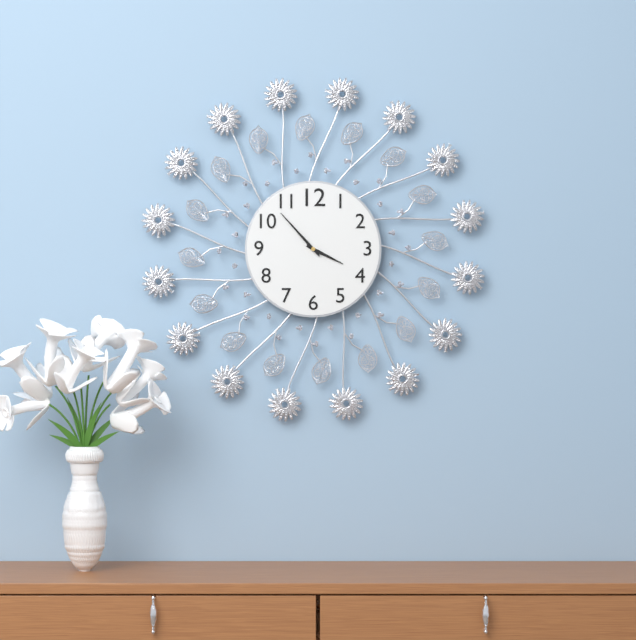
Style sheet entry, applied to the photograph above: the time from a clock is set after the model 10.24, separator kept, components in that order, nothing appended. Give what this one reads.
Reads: 3.53
